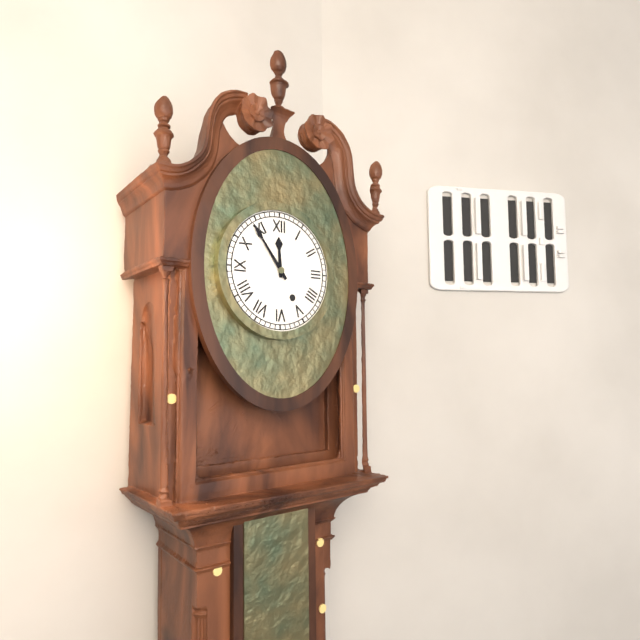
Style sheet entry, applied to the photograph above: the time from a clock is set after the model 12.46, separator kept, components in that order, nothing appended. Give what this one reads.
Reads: 11.54
